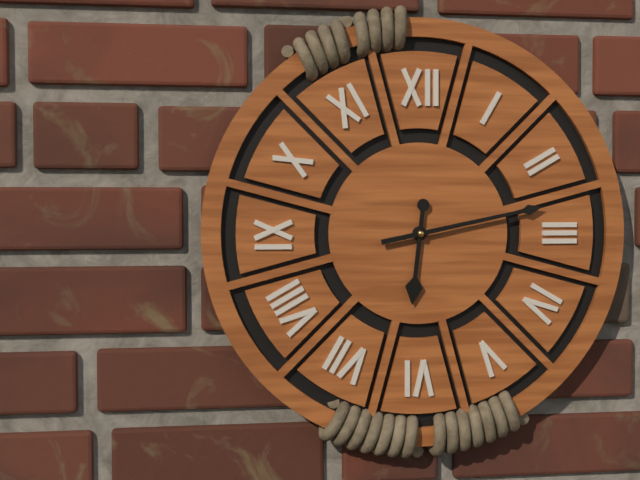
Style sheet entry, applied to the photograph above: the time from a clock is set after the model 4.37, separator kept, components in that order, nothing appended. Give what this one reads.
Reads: 6.13
